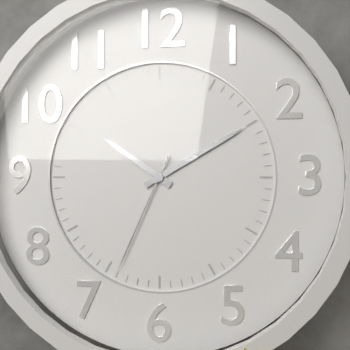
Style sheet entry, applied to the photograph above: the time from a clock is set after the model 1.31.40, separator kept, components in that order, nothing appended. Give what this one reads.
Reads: 10.10.34
